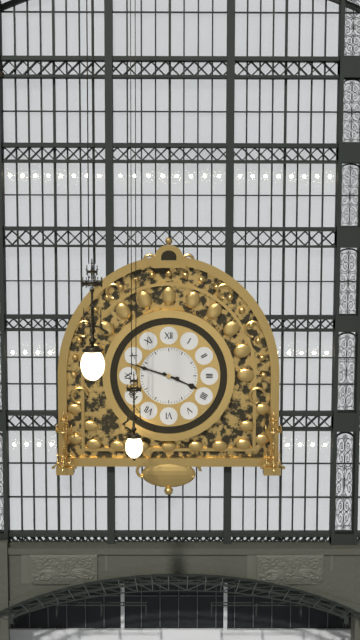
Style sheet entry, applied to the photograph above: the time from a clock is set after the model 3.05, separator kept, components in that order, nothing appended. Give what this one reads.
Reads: 3.48
